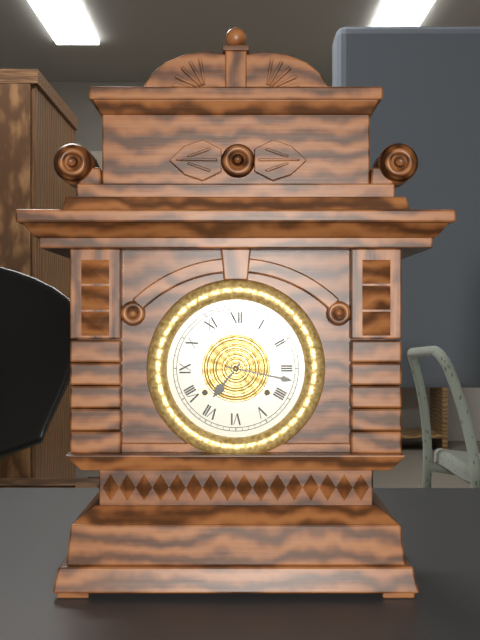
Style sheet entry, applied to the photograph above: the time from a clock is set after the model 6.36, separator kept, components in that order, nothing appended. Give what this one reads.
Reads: 7.17
